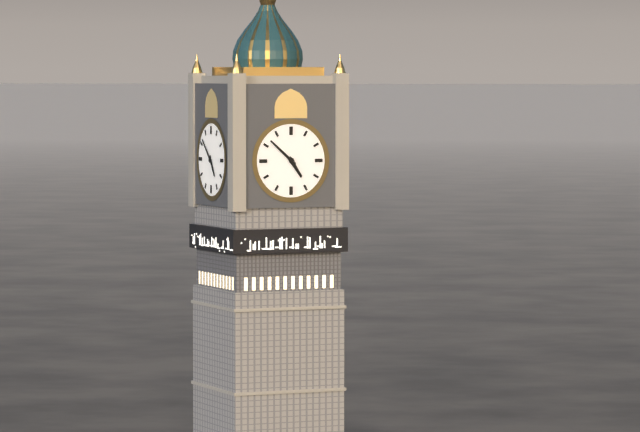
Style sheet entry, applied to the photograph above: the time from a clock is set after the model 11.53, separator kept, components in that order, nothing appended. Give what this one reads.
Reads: 4.52
